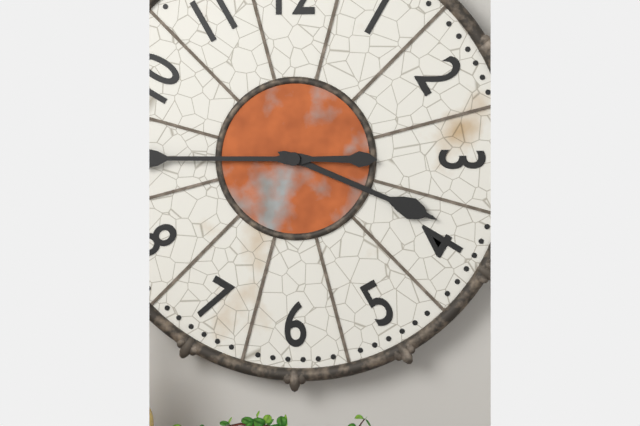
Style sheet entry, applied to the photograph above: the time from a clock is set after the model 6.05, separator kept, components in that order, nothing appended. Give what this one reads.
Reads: 3.45
